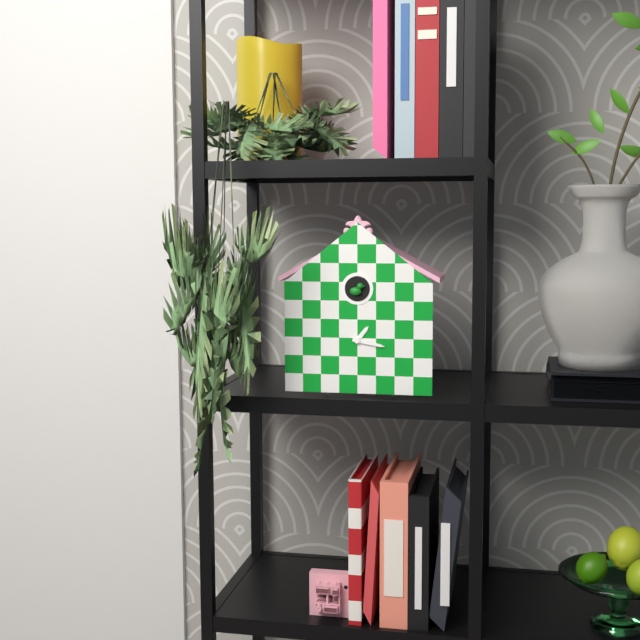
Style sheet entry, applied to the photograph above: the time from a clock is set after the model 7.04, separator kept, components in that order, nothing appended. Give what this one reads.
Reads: 1.17
